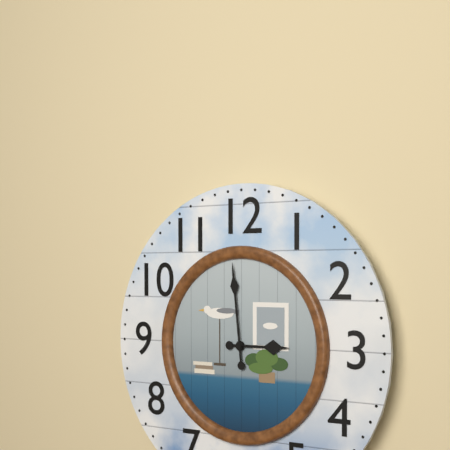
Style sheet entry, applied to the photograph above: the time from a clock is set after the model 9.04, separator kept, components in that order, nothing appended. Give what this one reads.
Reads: 2.59
